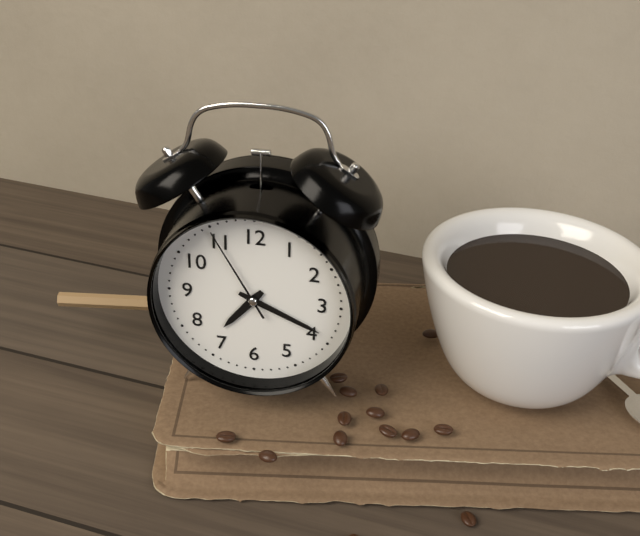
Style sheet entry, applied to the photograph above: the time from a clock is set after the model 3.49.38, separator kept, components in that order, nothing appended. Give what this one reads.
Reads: 7.19.55
